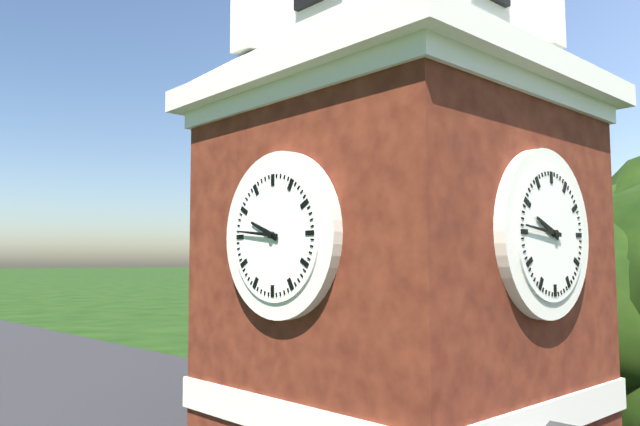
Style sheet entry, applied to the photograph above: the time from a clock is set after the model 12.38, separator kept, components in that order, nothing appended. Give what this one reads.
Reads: 9.46
